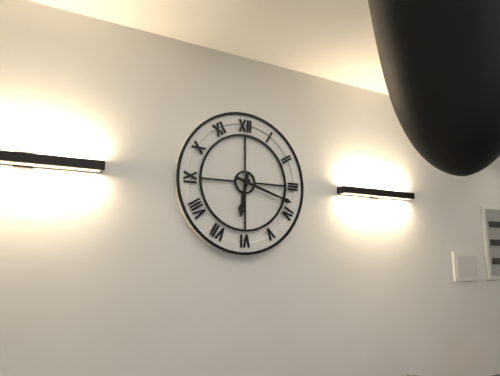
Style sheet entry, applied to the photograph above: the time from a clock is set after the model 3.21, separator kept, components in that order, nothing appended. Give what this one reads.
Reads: 6.18
